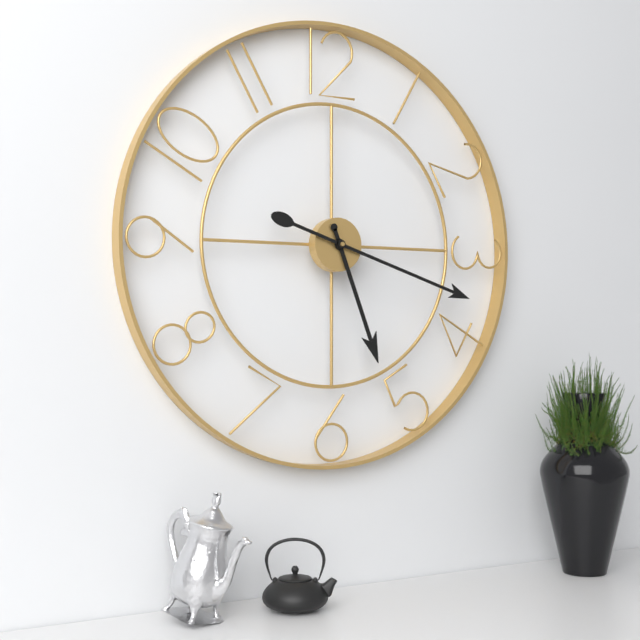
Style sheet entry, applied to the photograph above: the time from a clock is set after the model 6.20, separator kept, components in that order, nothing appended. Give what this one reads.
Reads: 5.18
